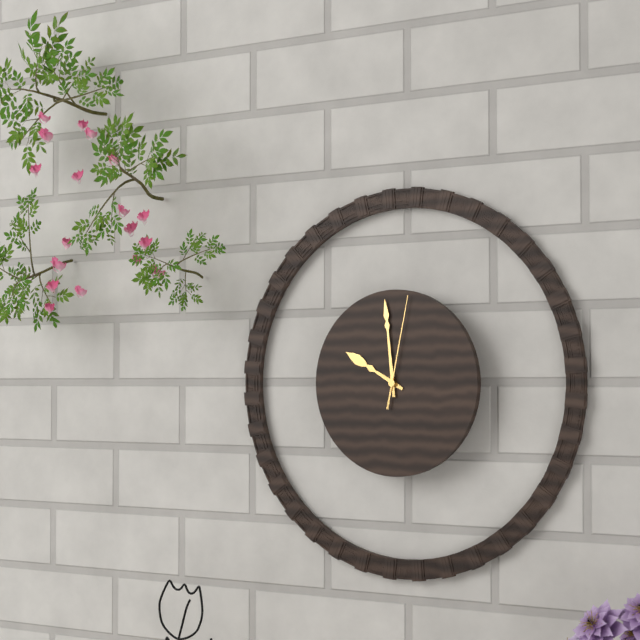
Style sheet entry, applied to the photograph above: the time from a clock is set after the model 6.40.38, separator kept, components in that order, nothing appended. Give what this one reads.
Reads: 9.59.02
